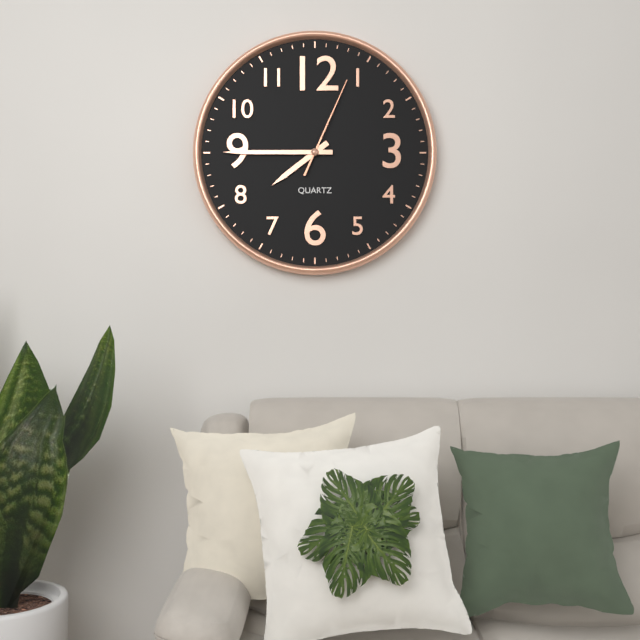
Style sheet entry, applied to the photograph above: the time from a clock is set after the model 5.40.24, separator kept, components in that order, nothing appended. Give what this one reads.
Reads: 7.45.04
